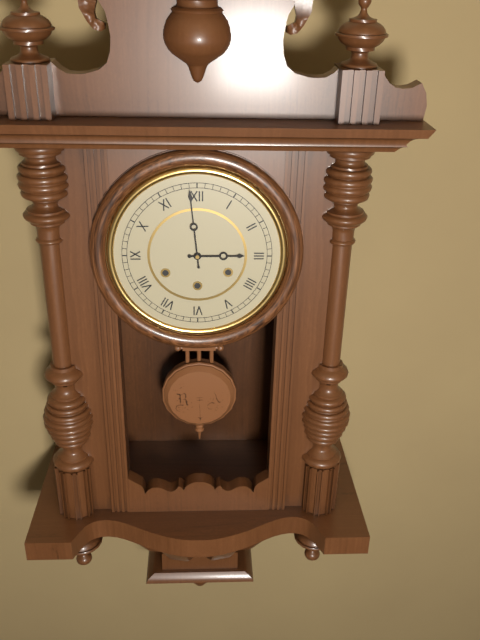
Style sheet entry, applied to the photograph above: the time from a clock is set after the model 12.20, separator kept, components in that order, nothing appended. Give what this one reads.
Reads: 2.59
